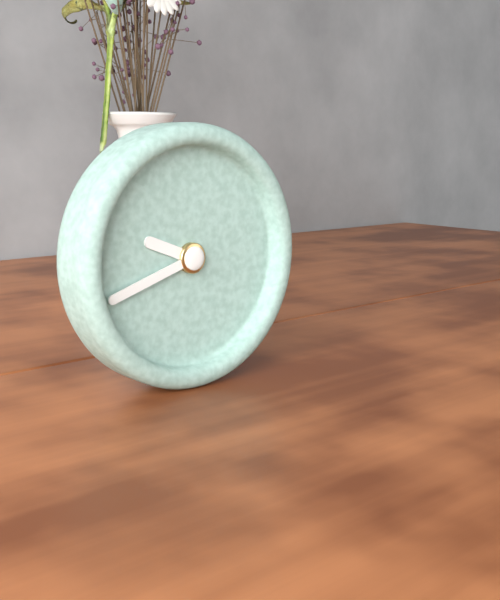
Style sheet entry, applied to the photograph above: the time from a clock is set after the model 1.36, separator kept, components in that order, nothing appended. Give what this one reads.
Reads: 9.42
